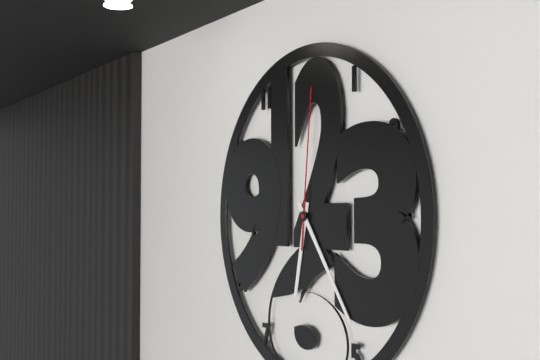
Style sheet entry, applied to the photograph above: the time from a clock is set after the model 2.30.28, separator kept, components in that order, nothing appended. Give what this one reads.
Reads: 6.24.01
